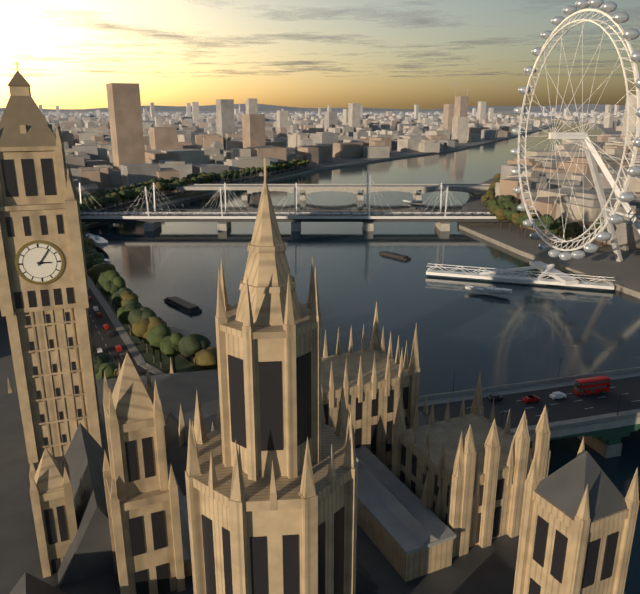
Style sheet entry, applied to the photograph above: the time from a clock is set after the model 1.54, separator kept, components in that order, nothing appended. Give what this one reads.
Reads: 3.06
